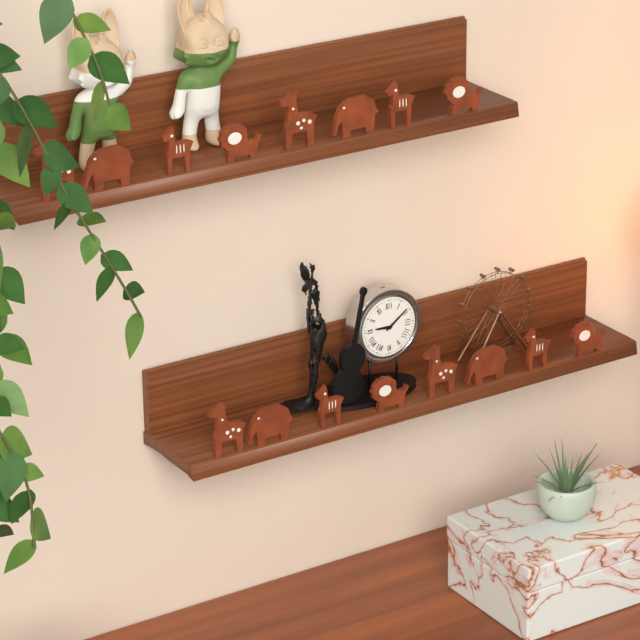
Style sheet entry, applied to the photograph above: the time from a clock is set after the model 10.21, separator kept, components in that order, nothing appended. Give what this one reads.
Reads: 9.09
